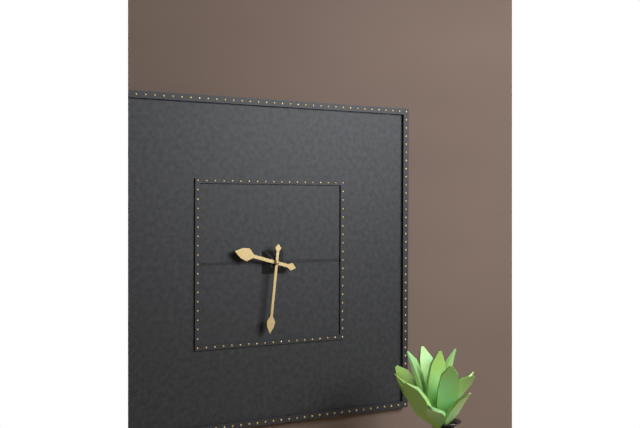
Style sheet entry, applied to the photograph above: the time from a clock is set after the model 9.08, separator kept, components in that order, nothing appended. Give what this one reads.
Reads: 9.31
